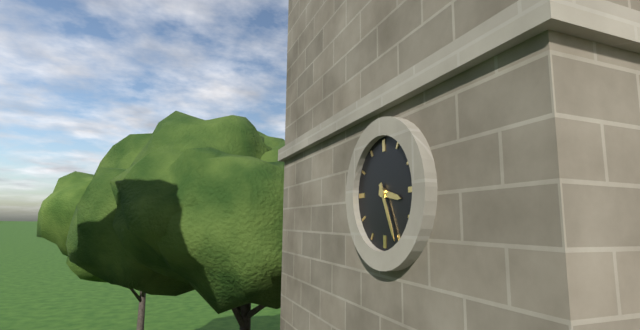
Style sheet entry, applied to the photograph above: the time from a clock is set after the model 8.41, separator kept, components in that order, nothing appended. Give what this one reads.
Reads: 3.26
